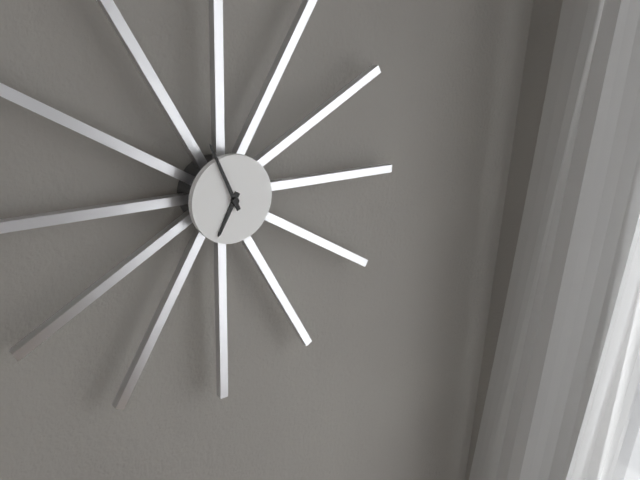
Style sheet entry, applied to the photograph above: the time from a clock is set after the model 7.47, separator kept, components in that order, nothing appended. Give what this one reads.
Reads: 6.56
